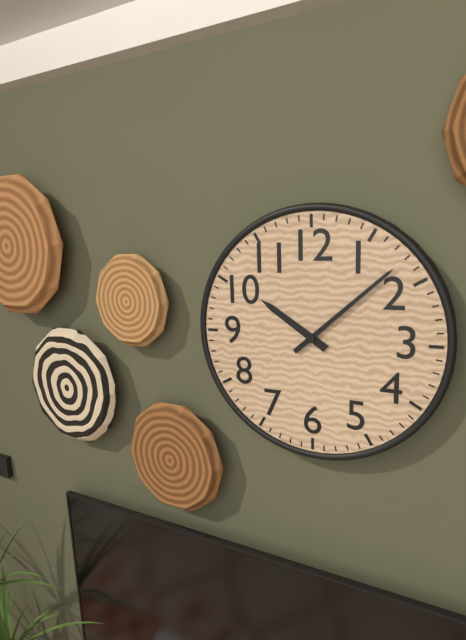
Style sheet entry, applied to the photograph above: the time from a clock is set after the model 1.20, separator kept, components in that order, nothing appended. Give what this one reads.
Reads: 10.08
